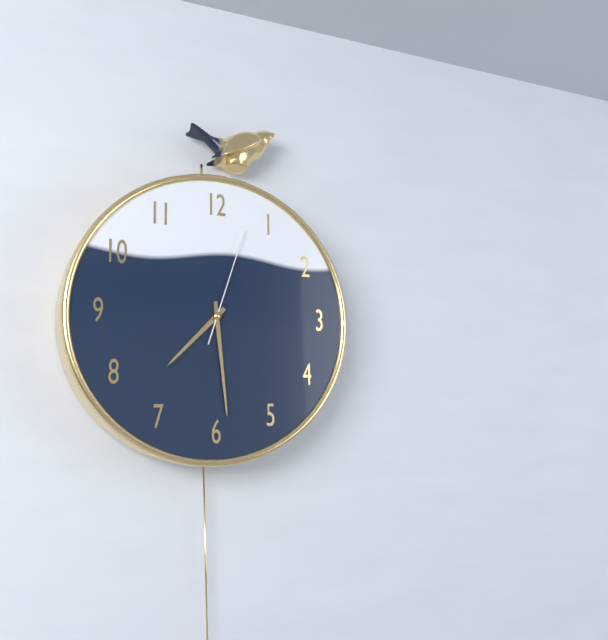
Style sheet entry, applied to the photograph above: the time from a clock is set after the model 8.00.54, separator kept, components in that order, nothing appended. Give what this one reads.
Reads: 7.29.03
